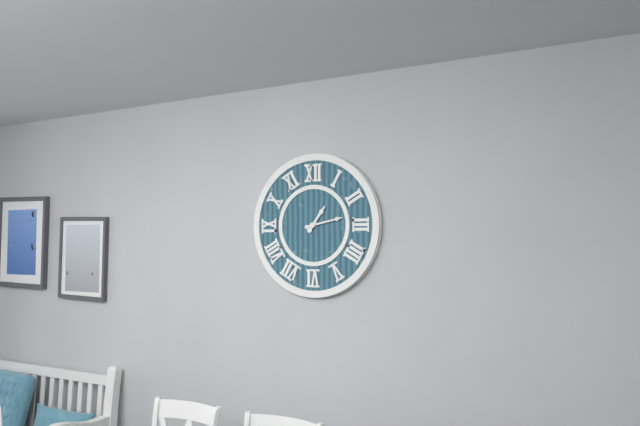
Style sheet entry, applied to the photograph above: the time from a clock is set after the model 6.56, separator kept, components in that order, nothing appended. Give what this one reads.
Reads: 1.13
